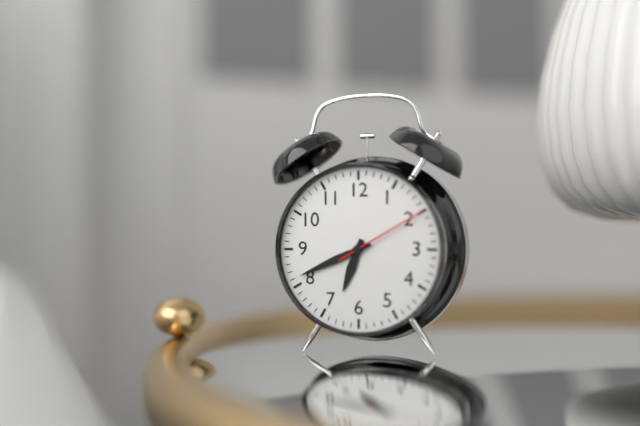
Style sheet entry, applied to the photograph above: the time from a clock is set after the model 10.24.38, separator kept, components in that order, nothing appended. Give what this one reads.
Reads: 6.41.10
